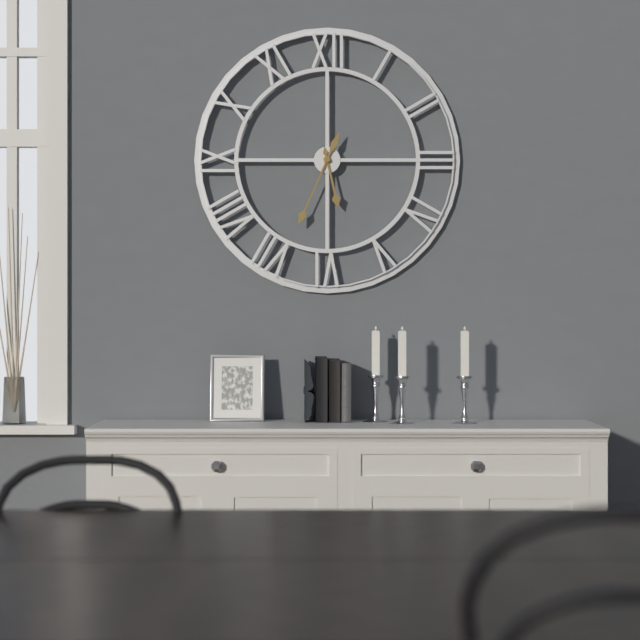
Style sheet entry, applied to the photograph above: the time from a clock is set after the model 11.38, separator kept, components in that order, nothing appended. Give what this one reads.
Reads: 5.34
